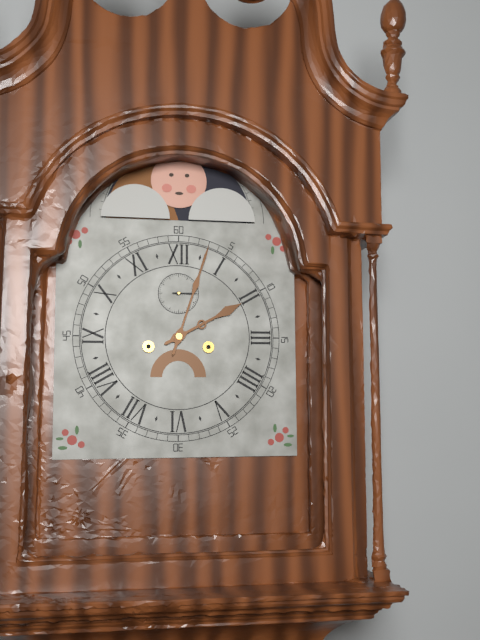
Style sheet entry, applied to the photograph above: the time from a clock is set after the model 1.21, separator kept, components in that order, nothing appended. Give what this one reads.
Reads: 2.03
